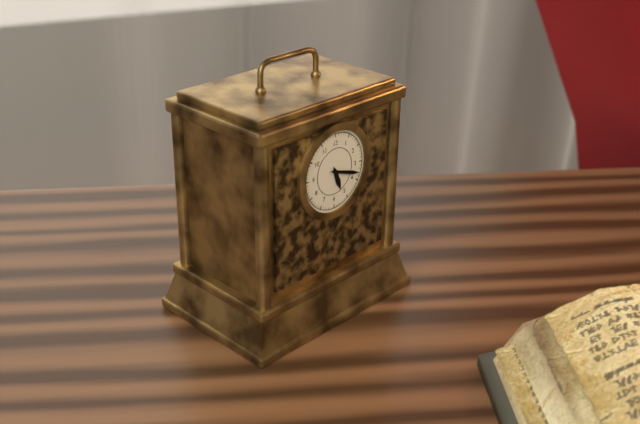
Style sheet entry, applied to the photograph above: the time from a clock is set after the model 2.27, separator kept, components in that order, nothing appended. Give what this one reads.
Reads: 5.18
